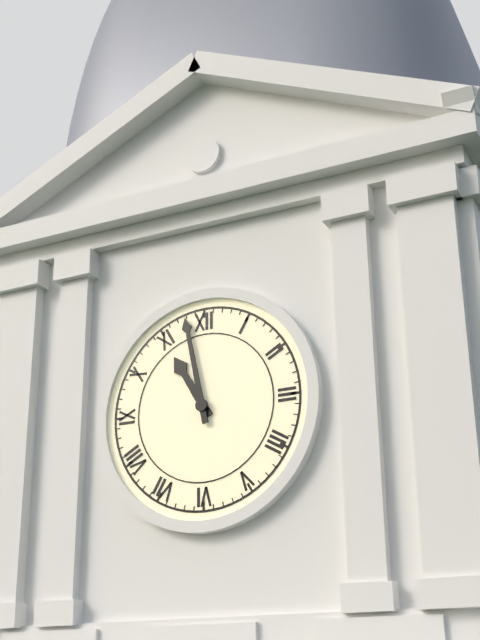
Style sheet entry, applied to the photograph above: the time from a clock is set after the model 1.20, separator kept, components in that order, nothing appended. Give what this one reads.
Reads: 10.58
